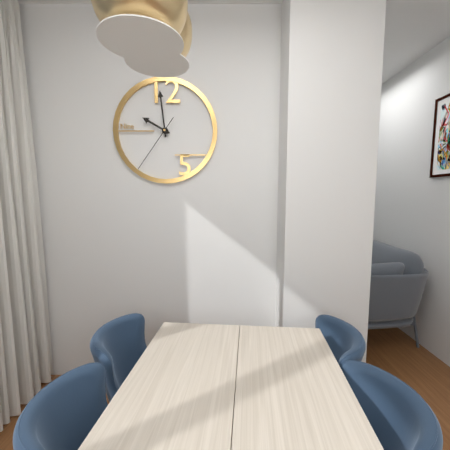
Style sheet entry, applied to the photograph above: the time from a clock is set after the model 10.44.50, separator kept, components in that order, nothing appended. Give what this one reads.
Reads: 9.59.36
